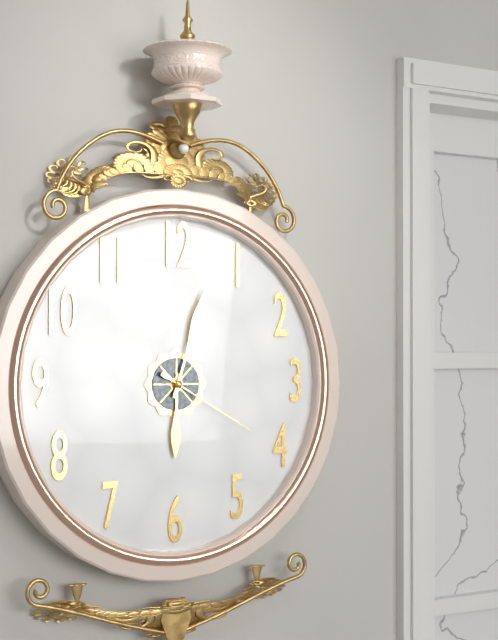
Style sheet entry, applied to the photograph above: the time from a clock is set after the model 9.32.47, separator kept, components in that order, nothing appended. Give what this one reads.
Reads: 6.03.20
